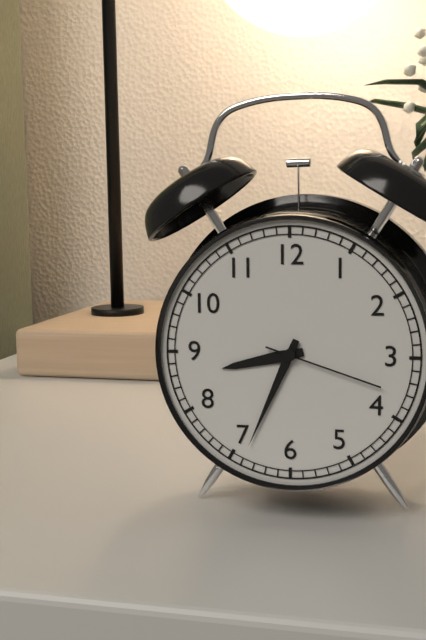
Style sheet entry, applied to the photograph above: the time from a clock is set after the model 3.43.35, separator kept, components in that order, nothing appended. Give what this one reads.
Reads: 8.34.18
